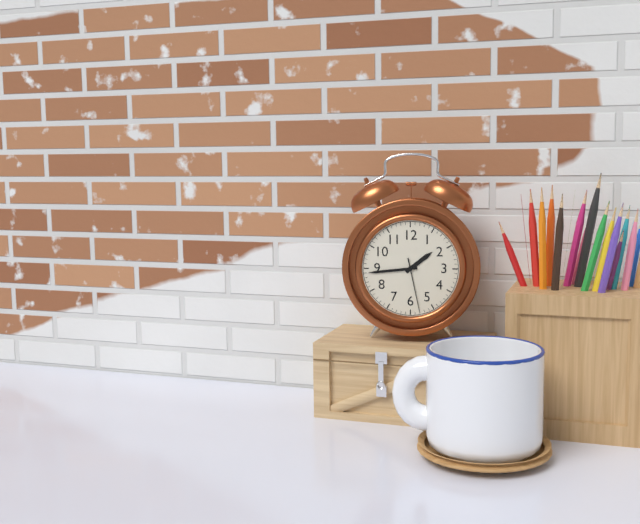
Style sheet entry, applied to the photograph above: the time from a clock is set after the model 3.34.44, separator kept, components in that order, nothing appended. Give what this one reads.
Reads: 1.44.28
